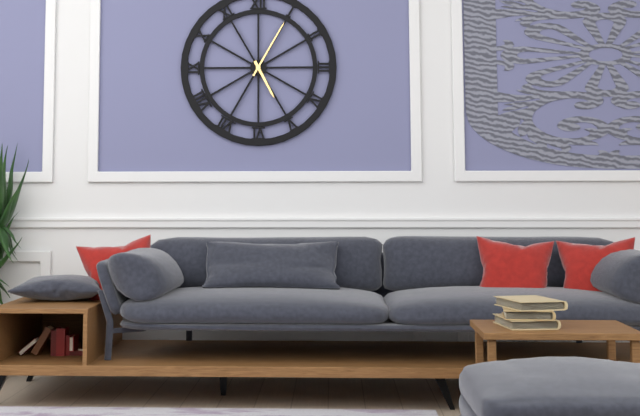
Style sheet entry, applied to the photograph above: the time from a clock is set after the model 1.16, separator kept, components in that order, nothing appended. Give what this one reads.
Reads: 5.05
